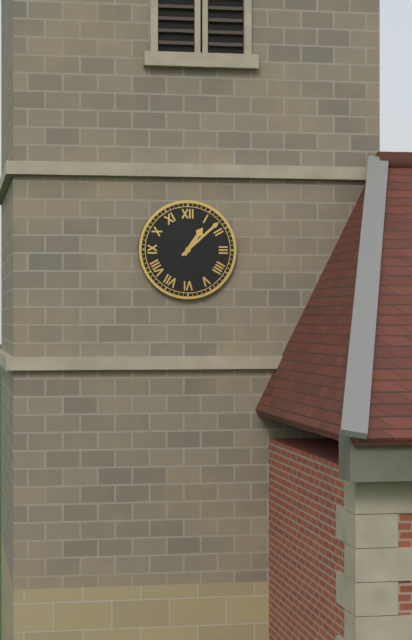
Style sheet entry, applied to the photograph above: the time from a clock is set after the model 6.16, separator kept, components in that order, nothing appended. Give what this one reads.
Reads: 1.08
